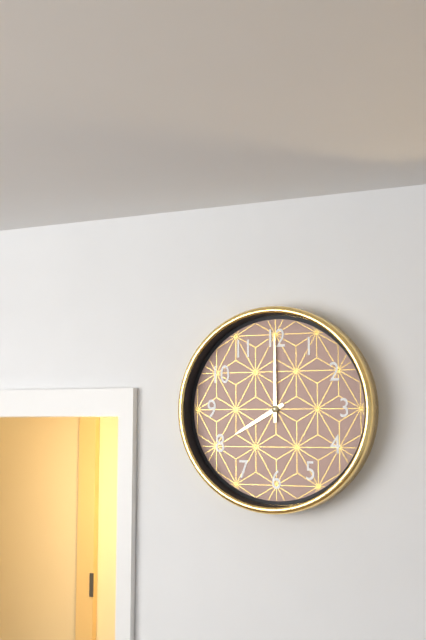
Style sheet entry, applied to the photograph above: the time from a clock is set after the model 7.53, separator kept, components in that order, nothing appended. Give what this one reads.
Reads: 8.00
